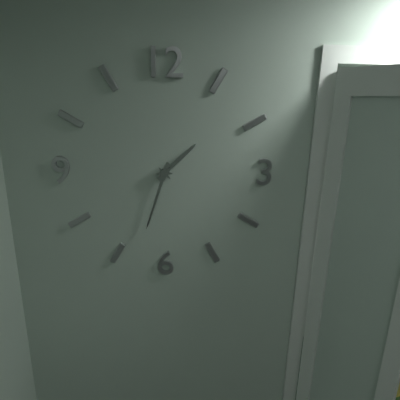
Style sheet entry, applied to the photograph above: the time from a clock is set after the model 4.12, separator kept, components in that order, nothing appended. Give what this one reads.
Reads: 1.33
